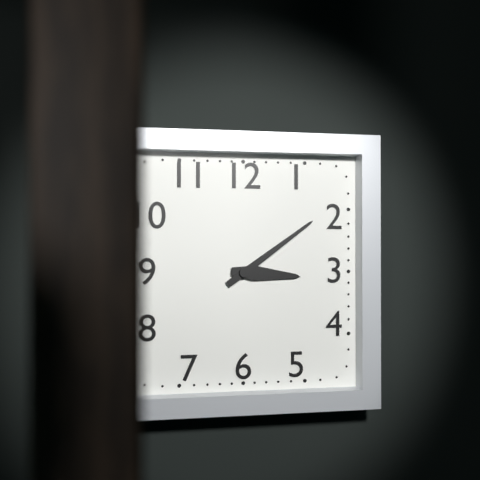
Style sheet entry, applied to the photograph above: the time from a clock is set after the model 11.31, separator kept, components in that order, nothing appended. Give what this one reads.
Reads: 3.09
